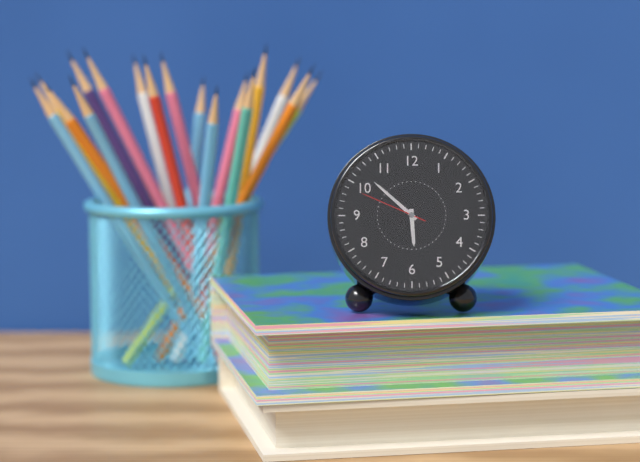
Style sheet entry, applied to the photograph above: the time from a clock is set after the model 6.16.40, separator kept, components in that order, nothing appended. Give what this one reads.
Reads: 5.52.49
